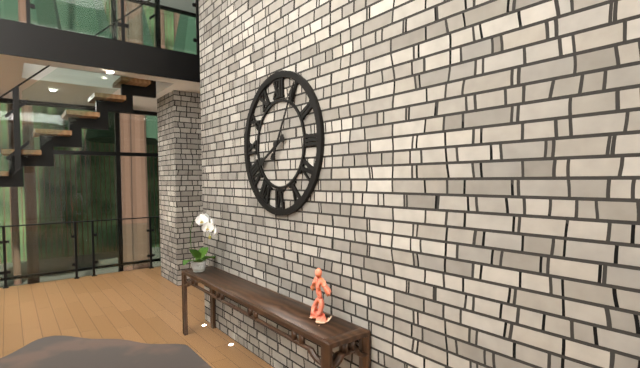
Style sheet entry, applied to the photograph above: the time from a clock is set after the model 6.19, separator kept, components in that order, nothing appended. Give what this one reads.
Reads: 8.05
